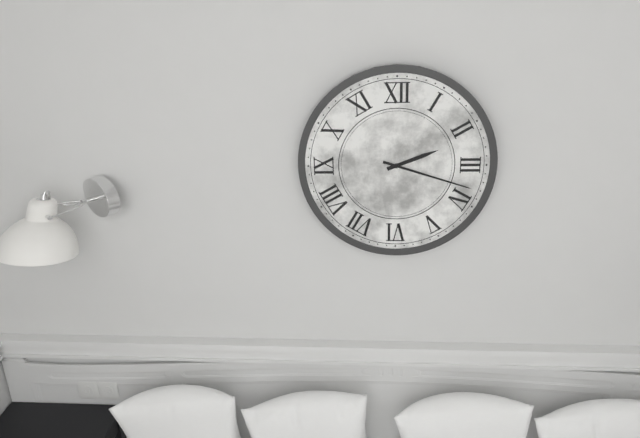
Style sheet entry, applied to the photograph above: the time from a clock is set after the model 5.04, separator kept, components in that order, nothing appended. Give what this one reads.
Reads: 2.18
